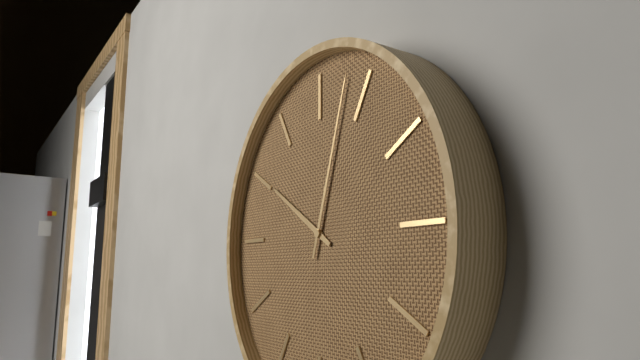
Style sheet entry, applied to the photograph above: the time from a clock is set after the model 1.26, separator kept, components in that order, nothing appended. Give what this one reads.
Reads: 10.03
